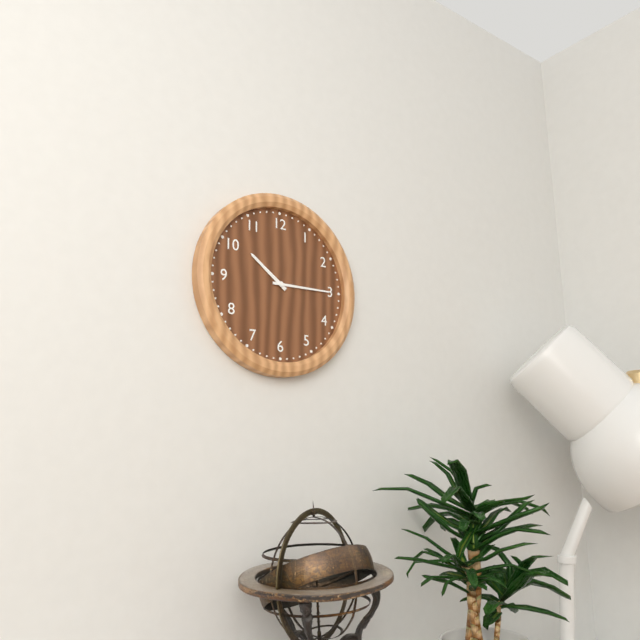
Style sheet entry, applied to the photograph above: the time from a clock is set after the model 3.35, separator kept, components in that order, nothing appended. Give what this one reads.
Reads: 10.15
